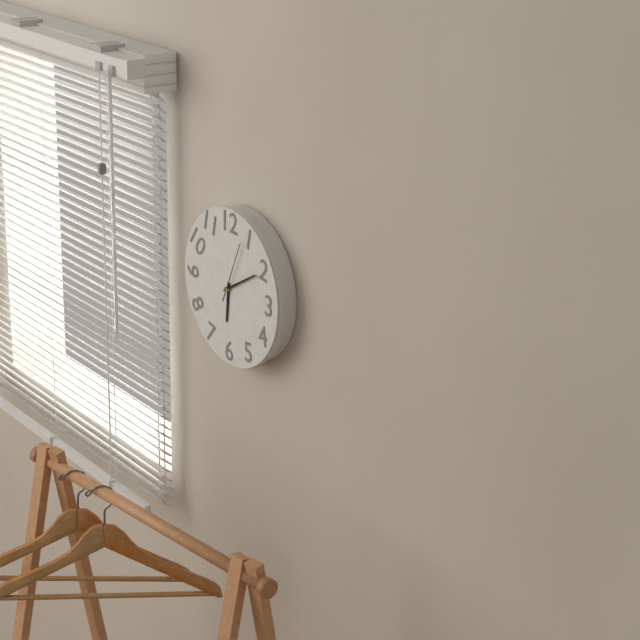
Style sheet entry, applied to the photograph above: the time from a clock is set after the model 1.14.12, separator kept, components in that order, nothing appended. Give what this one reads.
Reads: 6.10.04
